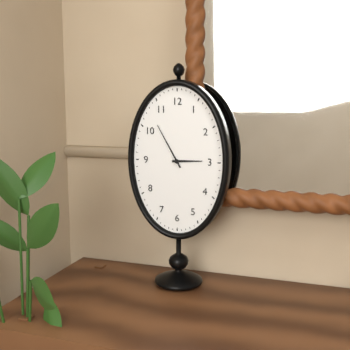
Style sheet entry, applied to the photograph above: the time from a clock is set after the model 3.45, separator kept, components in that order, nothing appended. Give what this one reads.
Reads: 2.55
